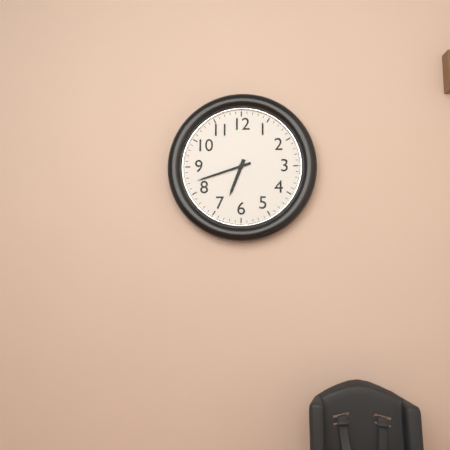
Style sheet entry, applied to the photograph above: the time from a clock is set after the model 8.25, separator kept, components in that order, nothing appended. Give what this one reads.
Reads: 6.42
